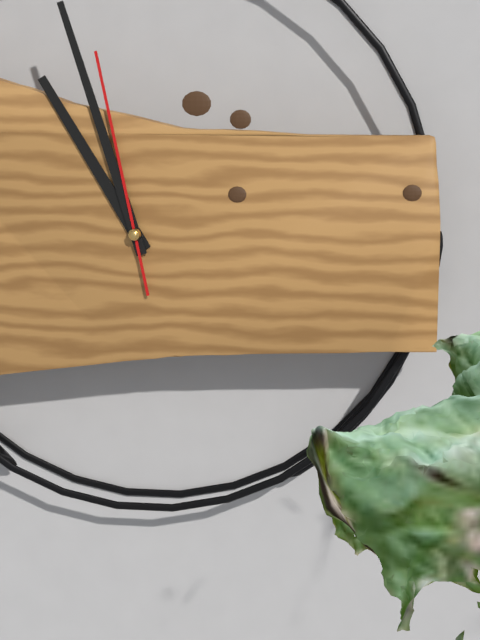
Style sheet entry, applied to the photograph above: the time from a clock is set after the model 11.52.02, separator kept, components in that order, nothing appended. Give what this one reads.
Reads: 10.57.58
